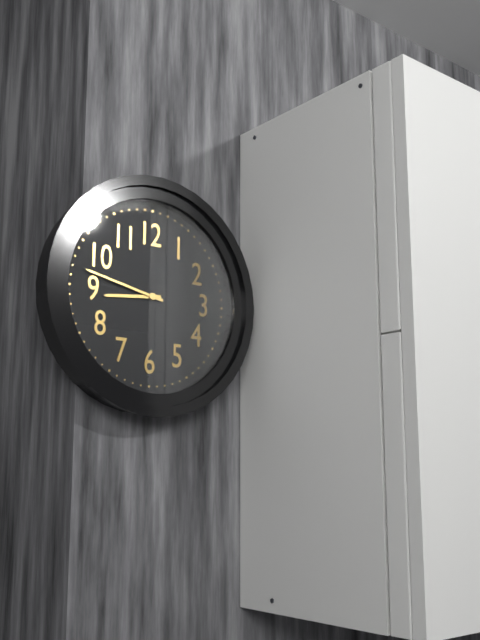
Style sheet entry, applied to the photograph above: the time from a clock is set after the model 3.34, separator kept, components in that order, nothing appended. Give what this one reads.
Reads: 8.47
